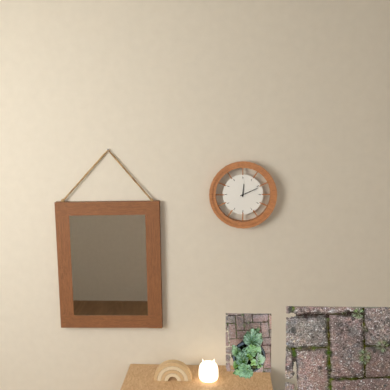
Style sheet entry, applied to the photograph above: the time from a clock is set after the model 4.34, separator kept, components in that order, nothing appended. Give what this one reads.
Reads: 12.11
